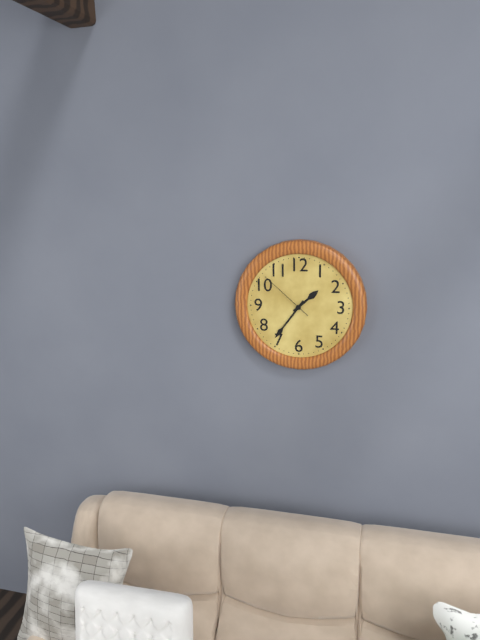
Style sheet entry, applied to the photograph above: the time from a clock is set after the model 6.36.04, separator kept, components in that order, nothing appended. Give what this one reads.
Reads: 1.36.52
